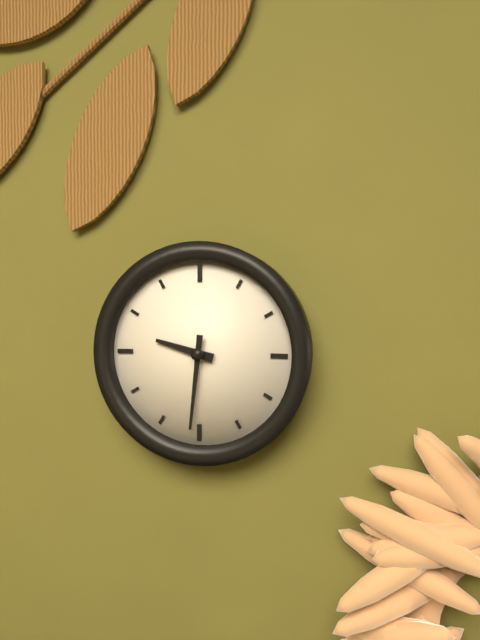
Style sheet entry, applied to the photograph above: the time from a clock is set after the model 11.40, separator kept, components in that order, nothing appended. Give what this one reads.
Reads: 9.31
